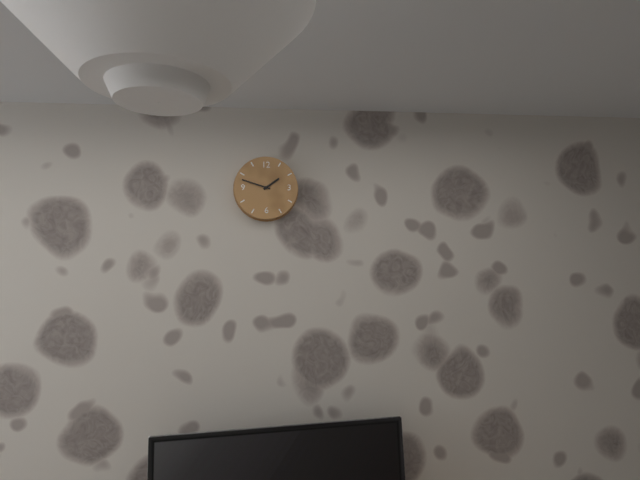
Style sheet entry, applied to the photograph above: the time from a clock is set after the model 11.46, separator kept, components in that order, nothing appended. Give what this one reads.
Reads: 1.48
